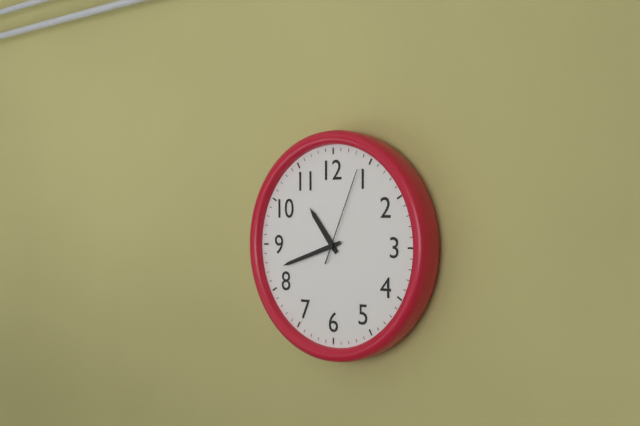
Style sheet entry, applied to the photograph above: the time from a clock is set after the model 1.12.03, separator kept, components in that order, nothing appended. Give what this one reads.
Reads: 10.42.04
